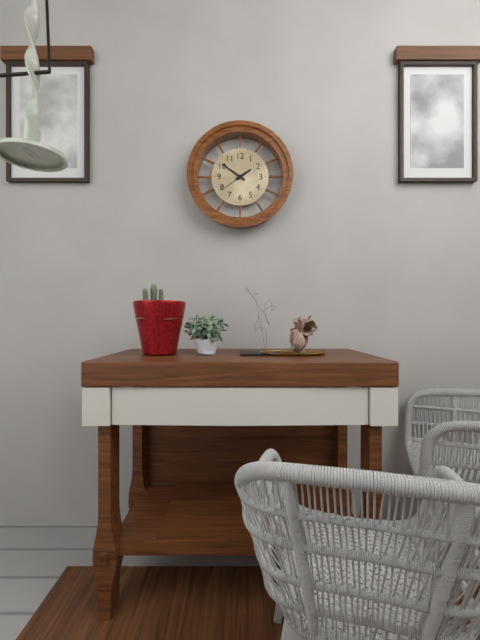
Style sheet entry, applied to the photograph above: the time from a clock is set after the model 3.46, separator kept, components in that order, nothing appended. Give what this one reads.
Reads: 1.51
